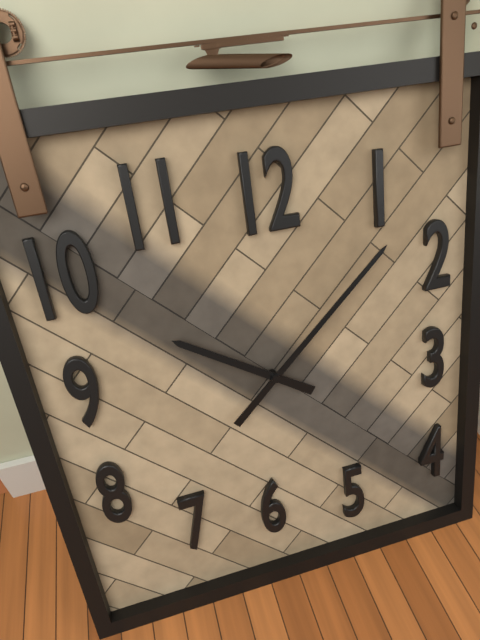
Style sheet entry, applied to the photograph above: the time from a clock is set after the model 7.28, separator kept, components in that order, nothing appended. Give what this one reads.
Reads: 10.08
